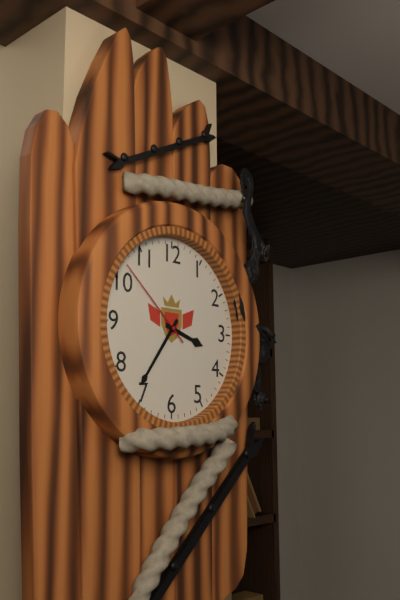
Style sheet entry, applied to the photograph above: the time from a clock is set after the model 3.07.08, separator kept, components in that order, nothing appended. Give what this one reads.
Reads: 3.36.52
